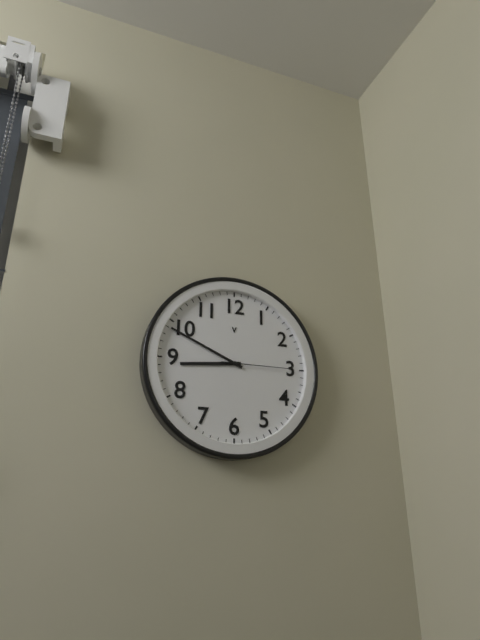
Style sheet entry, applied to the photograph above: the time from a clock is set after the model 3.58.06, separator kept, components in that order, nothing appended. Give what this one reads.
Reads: 8.49.15
